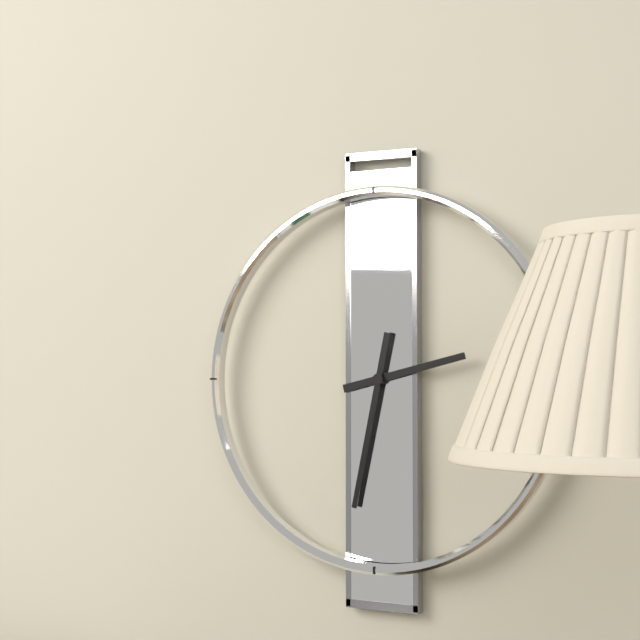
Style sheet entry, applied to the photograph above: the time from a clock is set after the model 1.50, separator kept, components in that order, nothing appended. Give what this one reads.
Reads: 2.32
